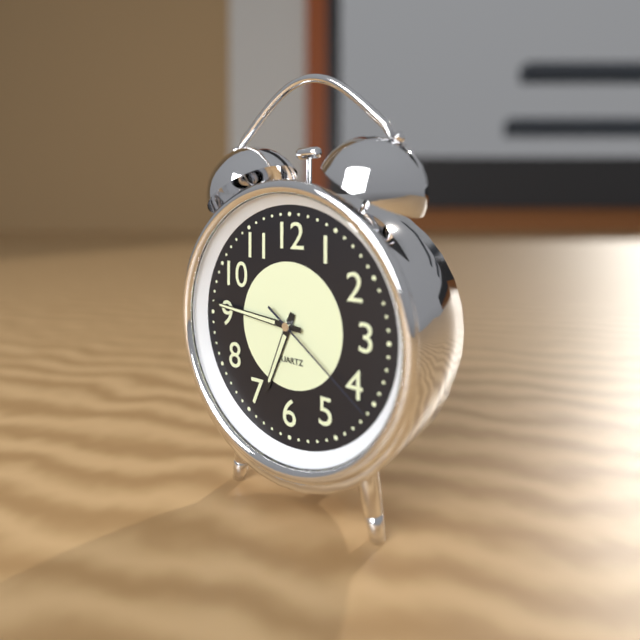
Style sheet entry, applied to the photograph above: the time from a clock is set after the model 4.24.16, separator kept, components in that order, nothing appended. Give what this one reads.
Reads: 6.46.21
